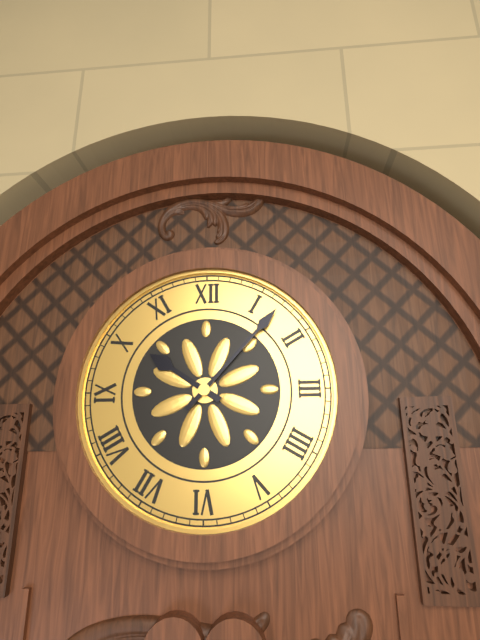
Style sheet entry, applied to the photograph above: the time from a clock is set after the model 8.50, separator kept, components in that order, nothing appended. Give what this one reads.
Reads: 10.07
